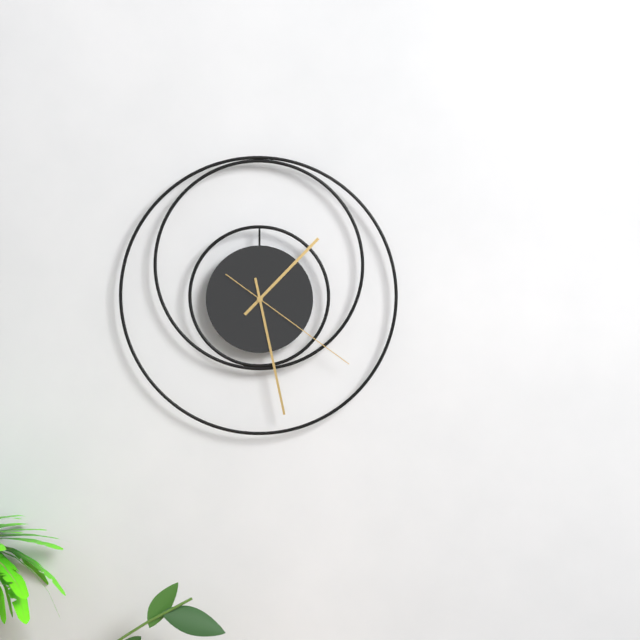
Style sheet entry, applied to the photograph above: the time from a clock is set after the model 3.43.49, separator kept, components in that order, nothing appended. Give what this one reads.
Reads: 1.28.21
